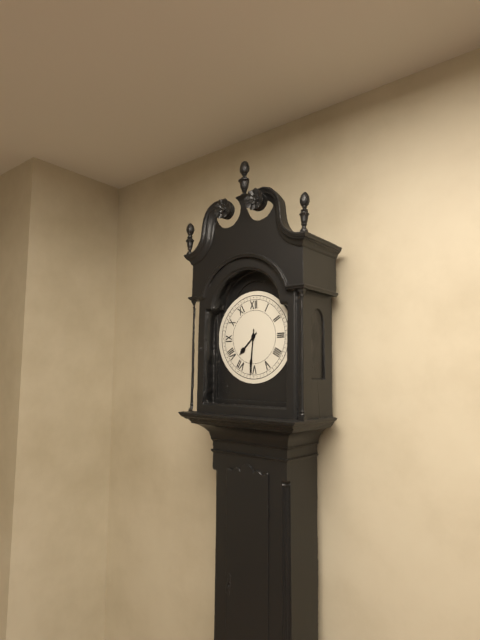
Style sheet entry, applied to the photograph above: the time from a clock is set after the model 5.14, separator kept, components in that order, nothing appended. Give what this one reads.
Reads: 7.31
